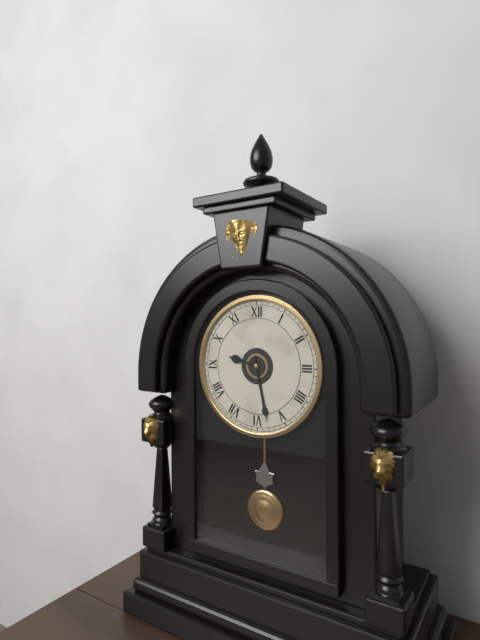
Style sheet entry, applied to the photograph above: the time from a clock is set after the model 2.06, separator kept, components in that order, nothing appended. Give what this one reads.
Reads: 9.28
